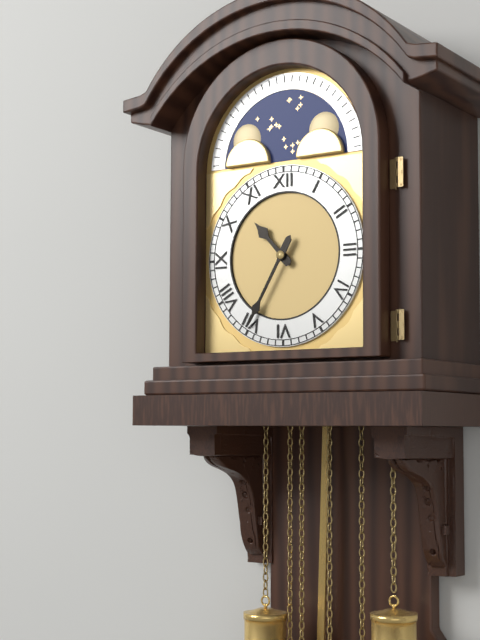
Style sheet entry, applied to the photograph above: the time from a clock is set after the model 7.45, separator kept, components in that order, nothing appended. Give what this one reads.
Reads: 10.35
